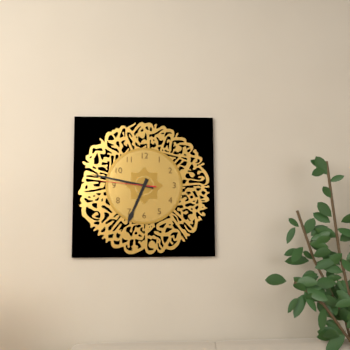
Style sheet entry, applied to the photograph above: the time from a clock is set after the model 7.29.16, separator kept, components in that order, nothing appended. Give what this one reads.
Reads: 6.47.46
